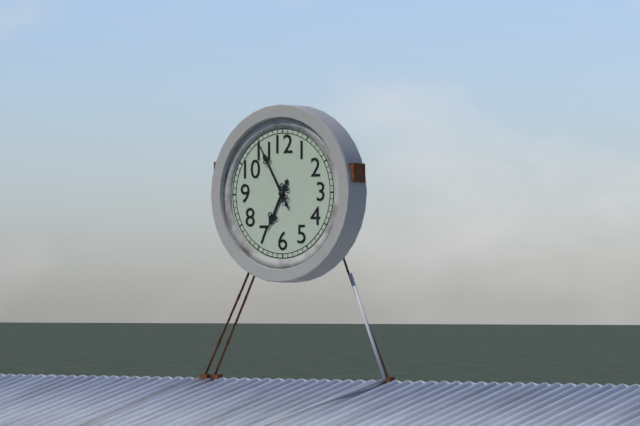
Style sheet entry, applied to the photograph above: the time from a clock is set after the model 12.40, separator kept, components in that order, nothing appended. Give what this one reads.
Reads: 6.55
